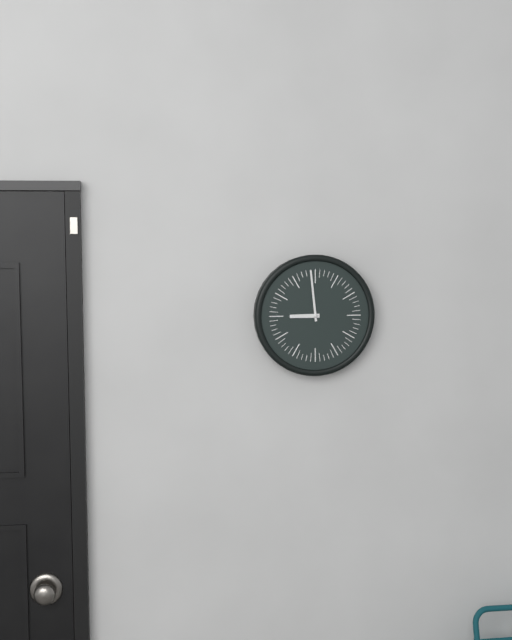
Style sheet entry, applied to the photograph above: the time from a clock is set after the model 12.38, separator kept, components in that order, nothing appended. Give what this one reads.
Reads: 8.59
